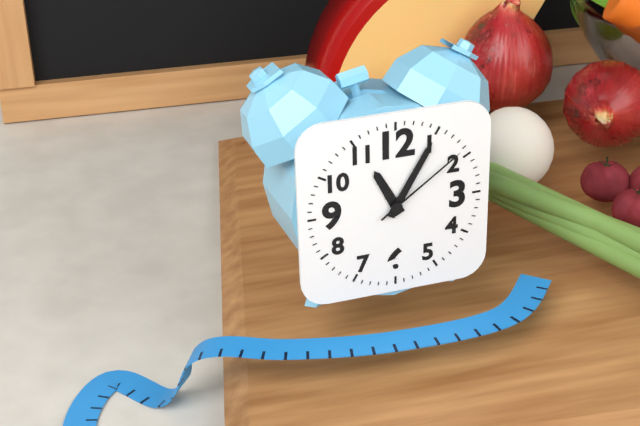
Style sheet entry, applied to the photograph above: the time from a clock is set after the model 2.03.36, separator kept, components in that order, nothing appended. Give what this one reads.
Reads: 11.05.09
